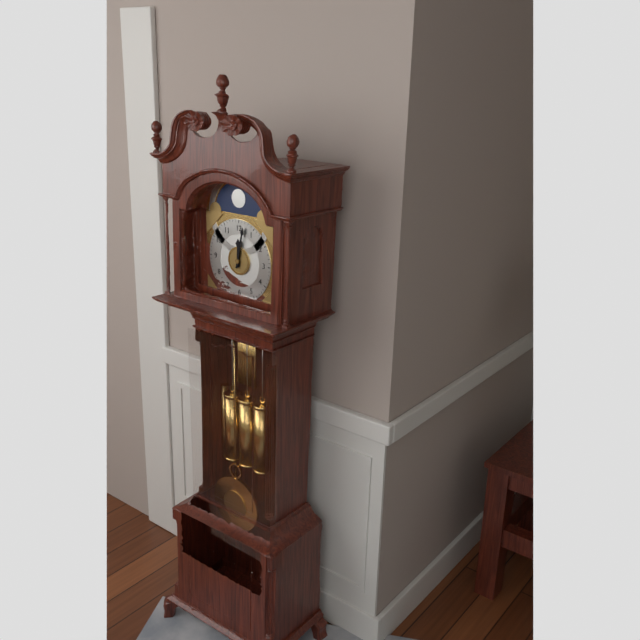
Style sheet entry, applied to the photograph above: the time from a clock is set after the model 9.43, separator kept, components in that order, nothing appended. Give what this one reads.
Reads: 12.02
